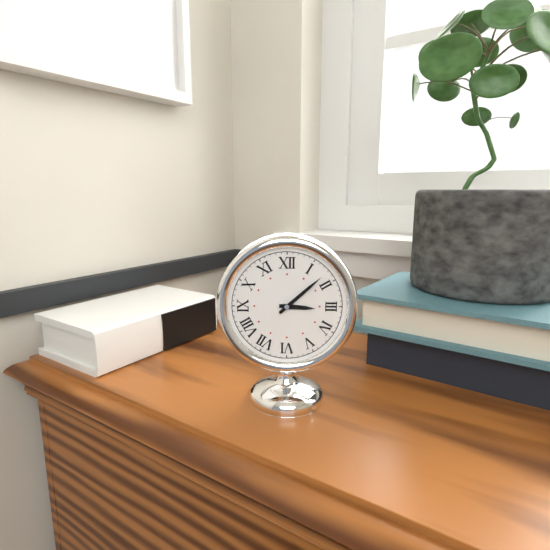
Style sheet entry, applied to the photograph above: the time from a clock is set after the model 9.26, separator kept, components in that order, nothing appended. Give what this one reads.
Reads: 3.08
